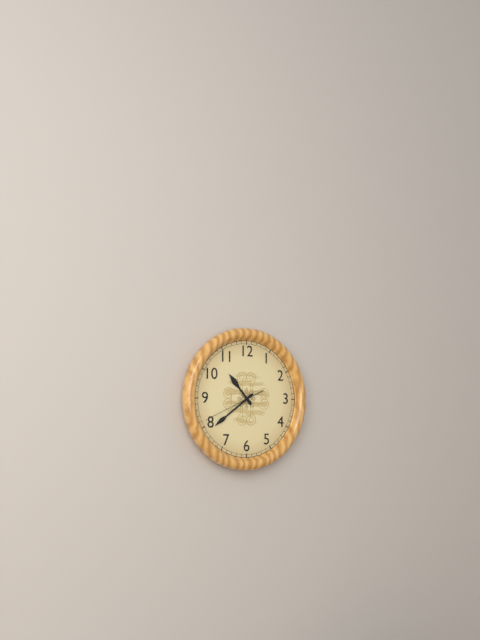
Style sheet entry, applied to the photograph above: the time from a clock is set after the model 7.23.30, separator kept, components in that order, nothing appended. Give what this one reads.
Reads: 10.39.41
